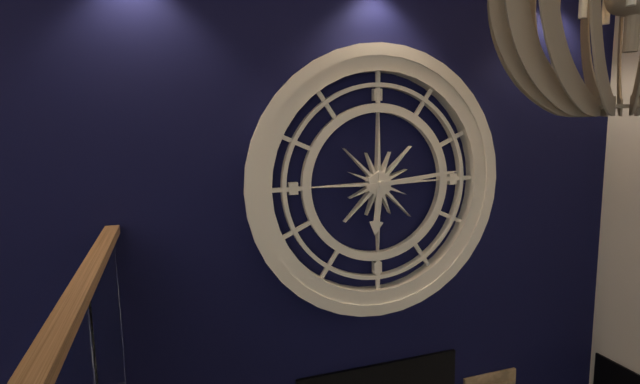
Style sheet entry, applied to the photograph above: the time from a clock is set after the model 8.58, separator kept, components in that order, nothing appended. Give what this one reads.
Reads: 6.14
